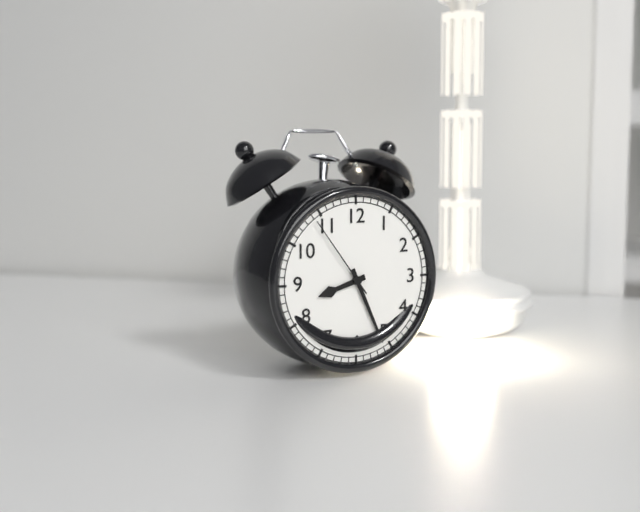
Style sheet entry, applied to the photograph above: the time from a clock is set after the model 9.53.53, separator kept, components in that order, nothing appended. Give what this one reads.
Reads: 8.26.54
